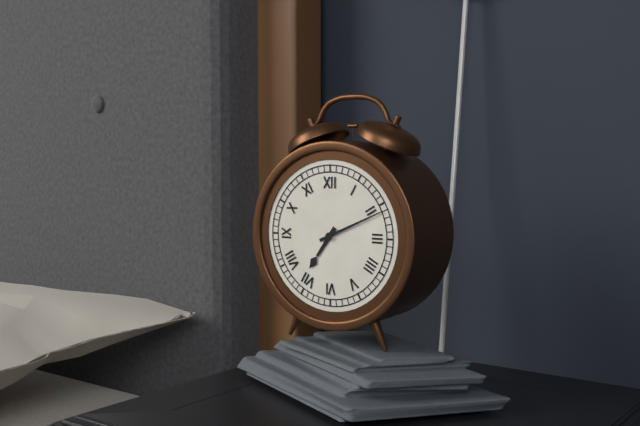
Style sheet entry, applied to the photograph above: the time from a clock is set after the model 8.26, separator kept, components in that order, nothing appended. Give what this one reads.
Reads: 7.11
